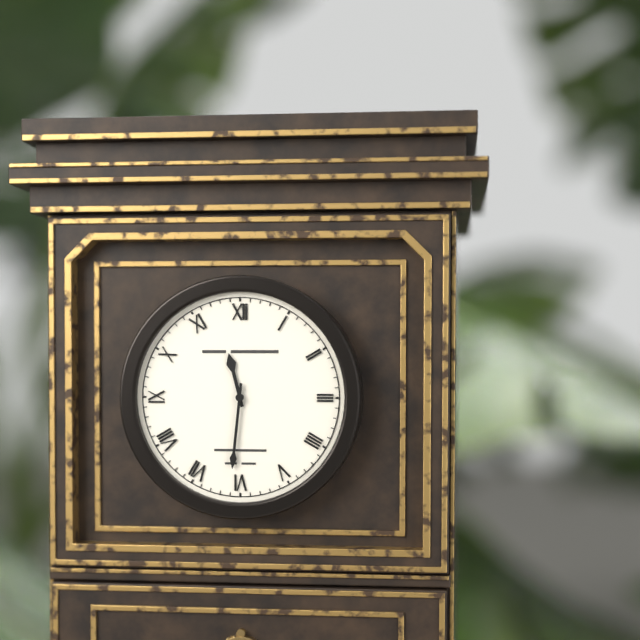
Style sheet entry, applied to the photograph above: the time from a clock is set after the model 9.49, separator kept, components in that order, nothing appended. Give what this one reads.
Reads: 11.31
